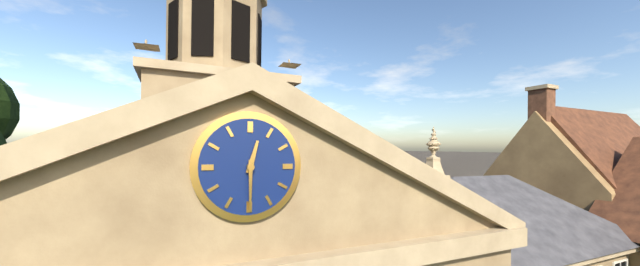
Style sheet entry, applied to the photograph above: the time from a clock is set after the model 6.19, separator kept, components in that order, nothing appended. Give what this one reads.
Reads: 12.30
